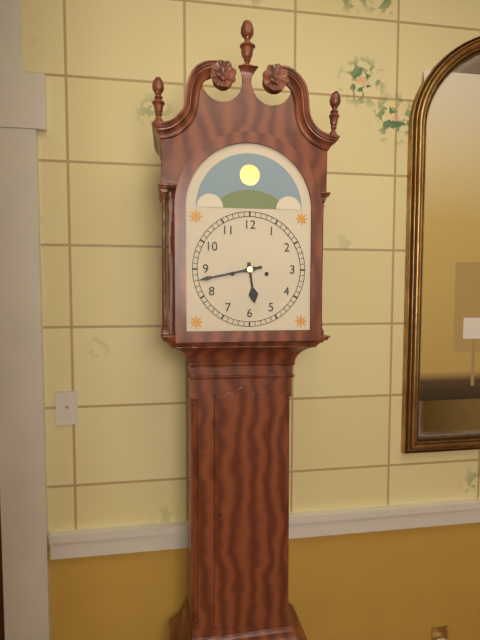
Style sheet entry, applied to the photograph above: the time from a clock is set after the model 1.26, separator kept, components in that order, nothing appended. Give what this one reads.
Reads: 5.43
